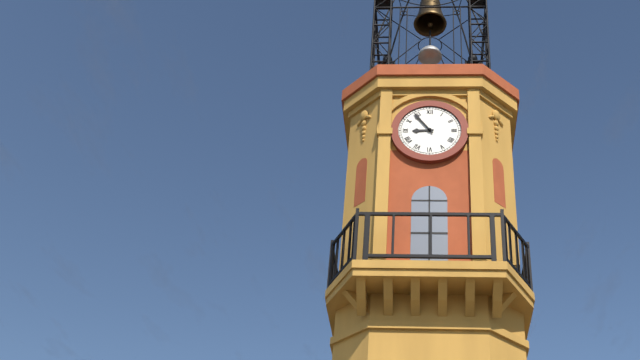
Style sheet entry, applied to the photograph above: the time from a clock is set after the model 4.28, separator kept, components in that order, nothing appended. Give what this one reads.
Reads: 8.54
